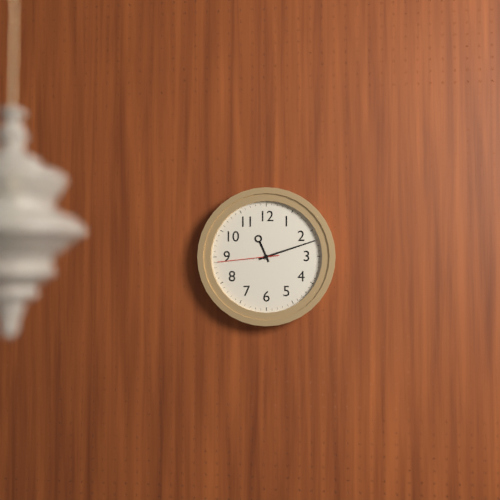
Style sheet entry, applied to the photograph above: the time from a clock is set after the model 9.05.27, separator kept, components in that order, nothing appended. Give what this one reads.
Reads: 11.12.44
